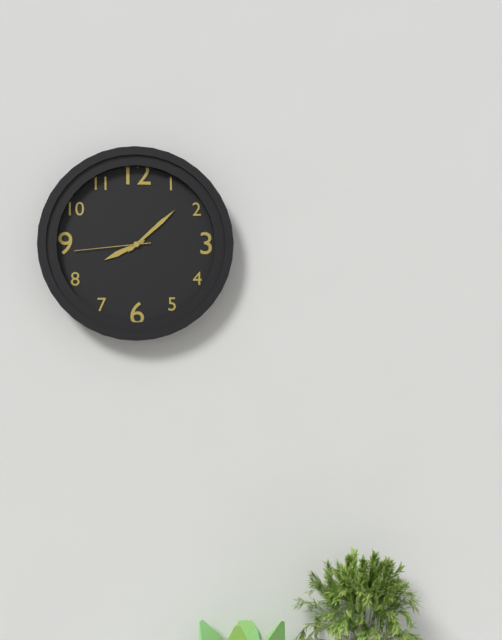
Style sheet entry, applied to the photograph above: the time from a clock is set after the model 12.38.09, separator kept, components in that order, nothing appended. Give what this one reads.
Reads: 8.08.44
